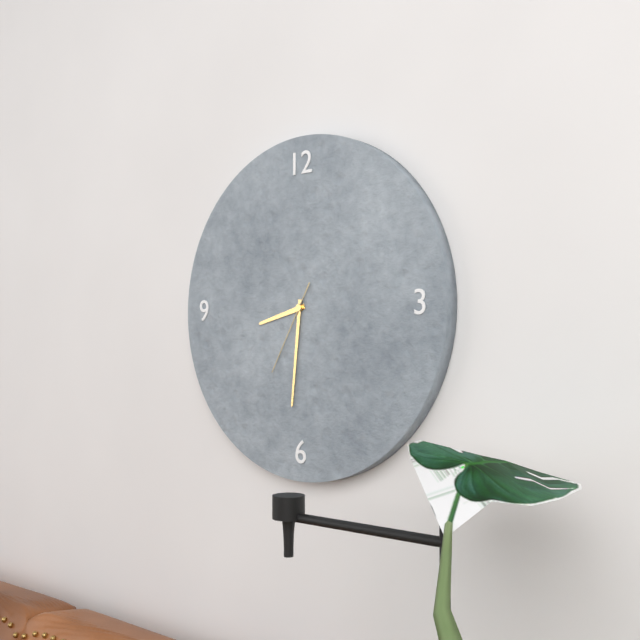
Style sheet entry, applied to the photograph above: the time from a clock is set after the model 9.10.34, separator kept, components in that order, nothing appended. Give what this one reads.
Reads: 8.31.35
